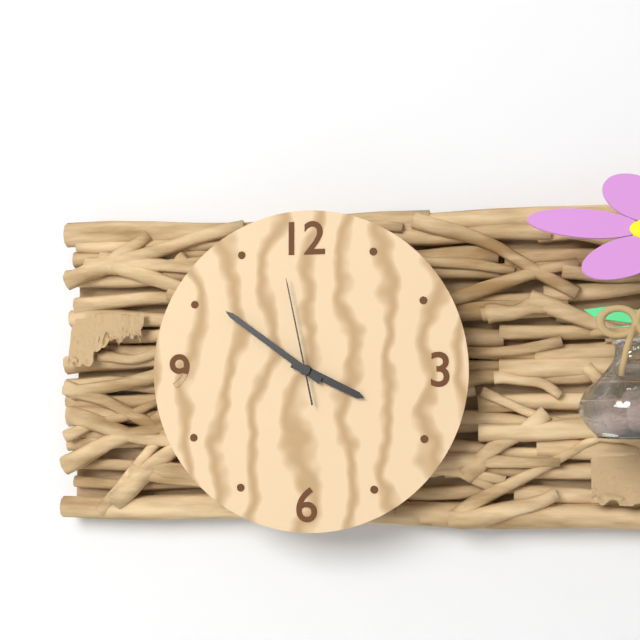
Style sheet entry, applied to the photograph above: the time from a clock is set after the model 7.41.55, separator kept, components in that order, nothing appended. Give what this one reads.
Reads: 3.51.58
